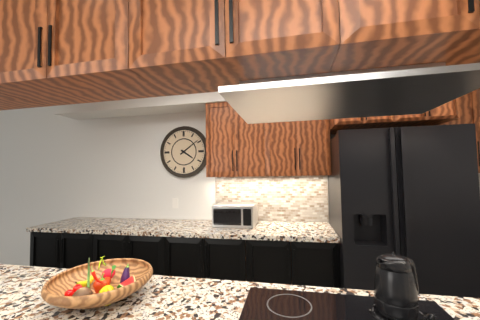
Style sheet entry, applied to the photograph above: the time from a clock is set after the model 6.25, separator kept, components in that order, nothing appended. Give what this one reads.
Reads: 4.09
